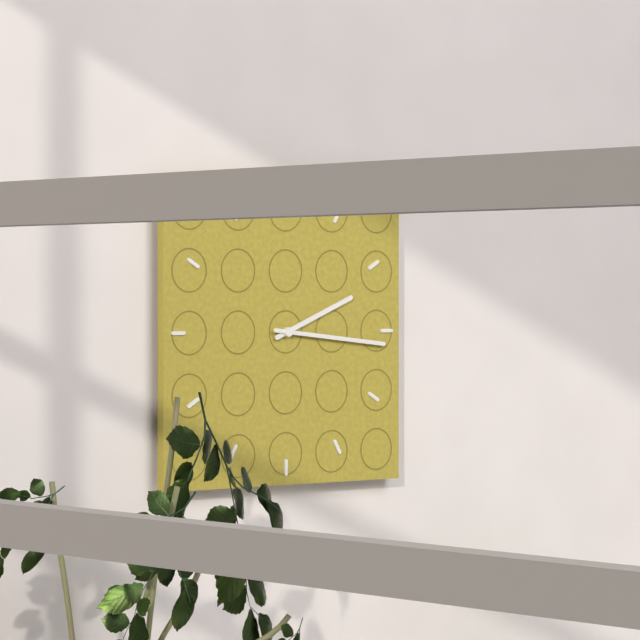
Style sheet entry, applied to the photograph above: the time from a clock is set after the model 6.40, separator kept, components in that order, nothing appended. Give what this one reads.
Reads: 2.16
